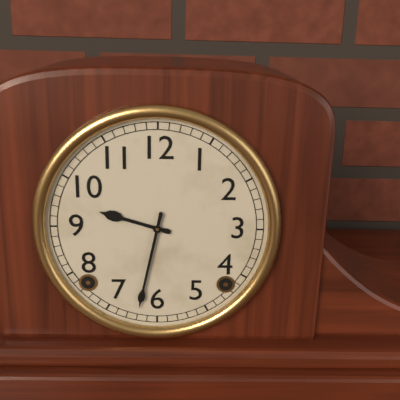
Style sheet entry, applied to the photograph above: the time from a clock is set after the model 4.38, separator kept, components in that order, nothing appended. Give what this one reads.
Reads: 9.32
